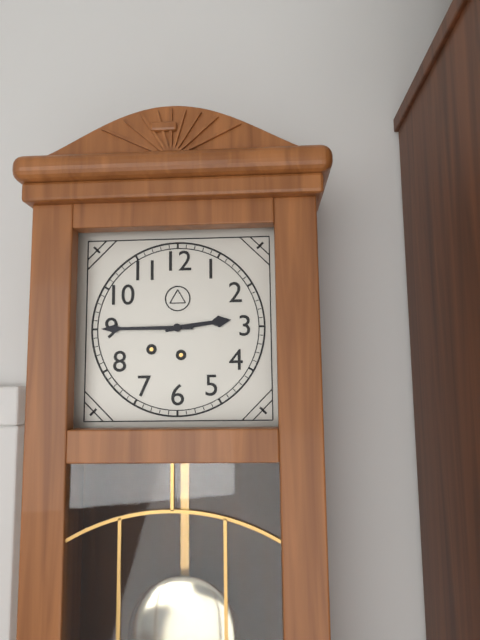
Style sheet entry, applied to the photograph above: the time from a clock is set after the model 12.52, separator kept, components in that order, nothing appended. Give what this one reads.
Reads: 2.45
